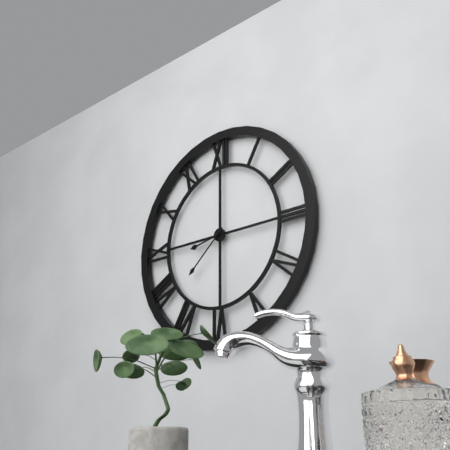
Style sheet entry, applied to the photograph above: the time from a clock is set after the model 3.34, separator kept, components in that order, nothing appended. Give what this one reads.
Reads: 8.38
